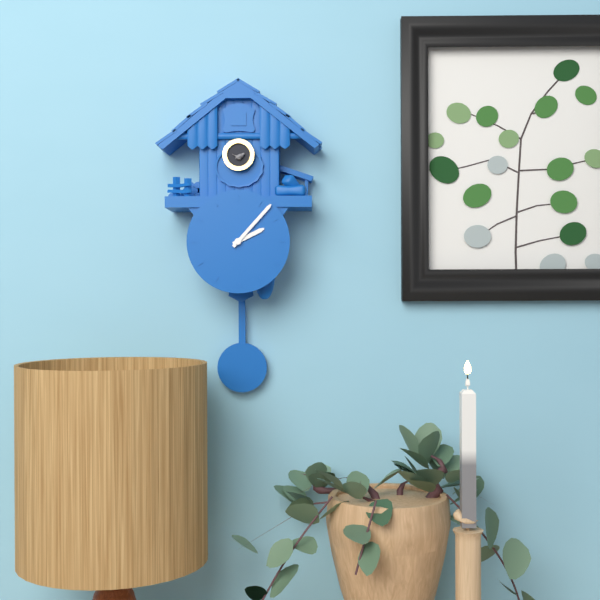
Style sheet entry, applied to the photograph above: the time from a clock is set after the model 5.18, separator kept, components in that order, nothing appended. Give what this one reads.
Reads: 2.07
